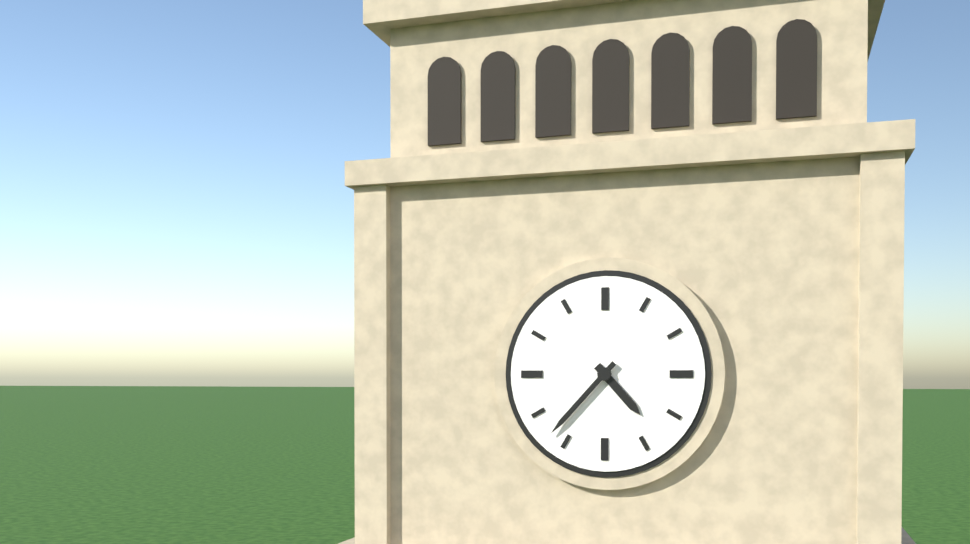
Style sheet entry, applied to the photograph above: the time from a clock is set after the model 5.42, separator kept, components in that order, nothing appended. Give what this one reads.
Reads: 4.37
